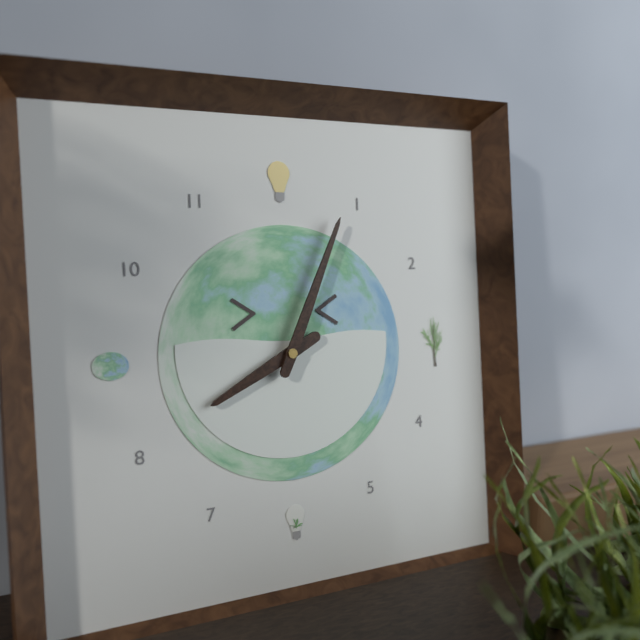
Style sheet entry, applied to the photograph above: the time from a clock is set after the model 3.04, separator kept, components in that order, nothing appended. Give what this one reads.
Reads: 8.04
